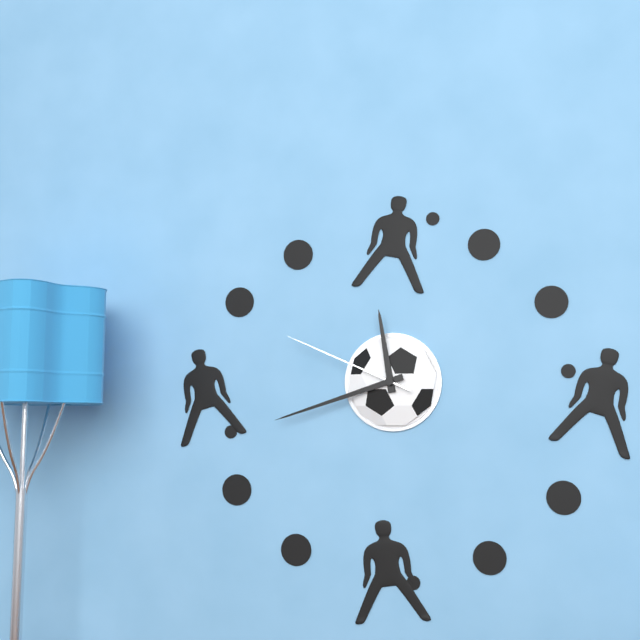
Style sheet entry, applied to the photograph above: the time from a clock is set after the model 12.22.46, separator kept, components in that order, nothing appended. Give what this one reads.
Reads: 11.42.49
